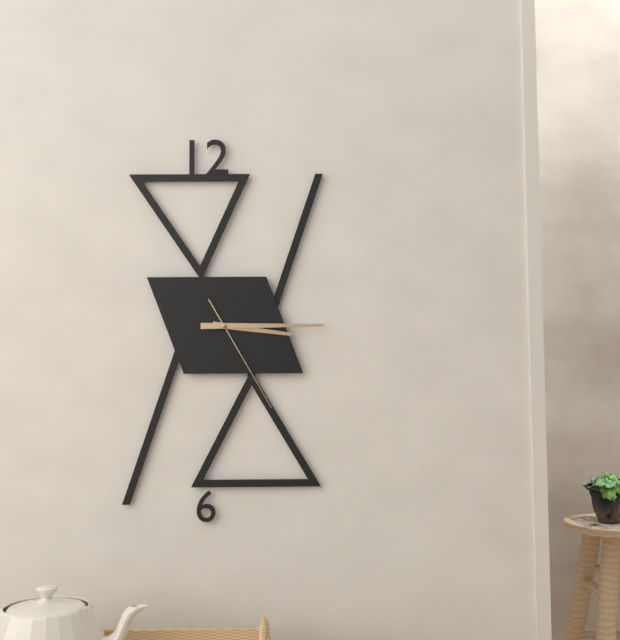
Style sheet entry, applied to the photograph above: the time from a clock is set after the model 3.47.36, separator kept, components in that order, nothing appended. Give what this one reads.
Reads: 3.15.25
